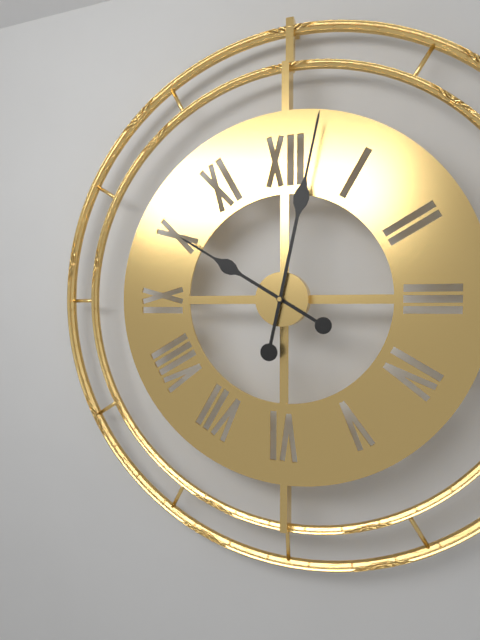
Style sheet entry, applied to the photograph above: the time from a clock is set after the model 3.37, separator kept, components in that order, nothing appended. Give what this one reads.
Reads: 10.02
